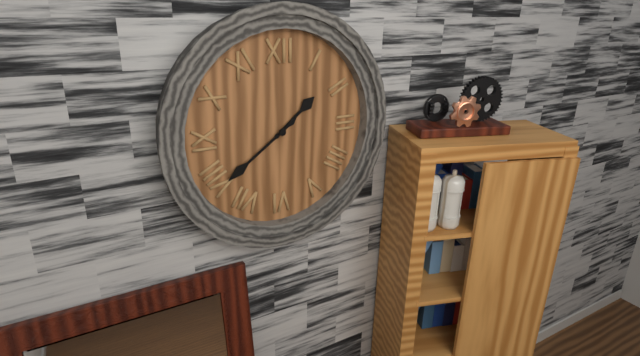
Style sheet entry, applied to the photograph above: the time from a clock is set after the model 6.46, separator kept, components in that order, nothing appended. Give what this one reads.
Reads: 1.39
